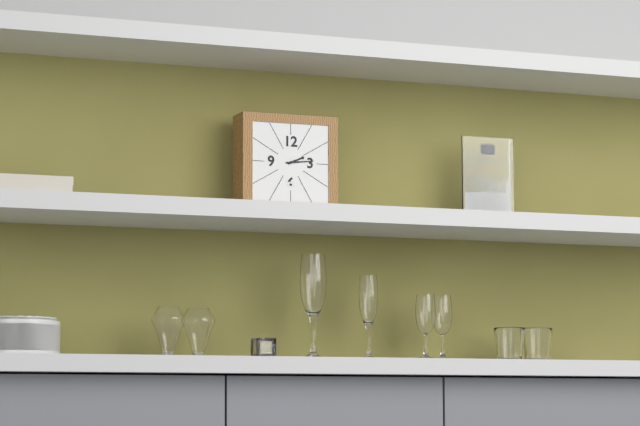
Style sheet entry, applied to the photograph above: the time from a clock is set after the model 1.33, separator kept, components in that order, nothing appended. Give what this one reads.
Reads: 2.14
